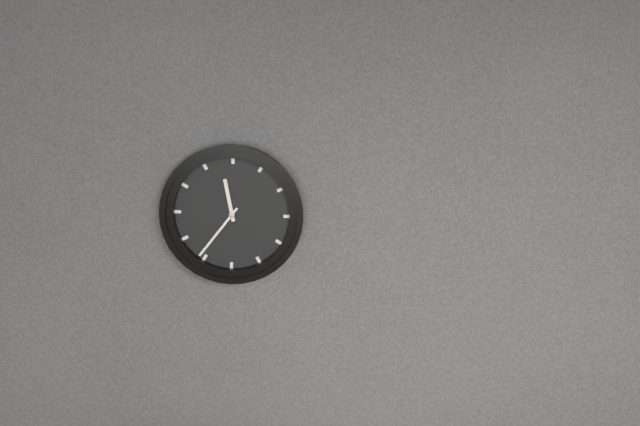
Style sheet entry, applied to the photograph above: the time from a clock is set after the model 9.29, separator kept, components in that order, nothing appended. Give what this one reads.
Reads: 11.36
